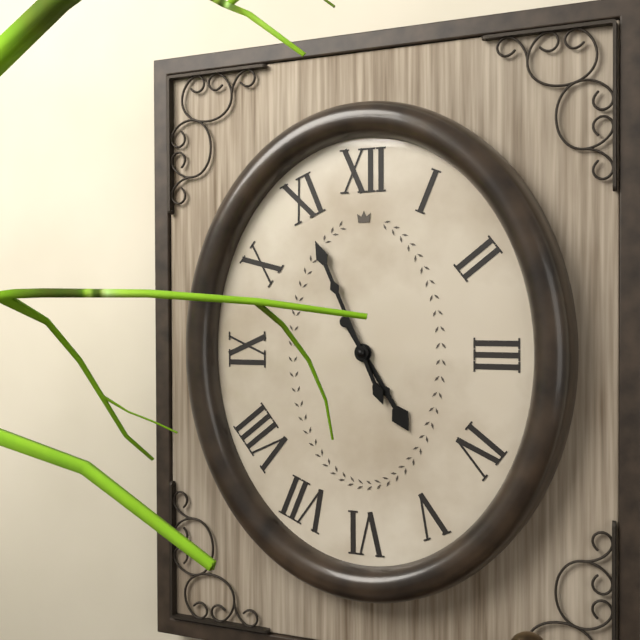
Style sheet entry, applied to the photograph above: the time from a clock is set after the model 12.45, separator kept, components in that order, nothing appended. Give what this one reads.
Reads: 4.56
